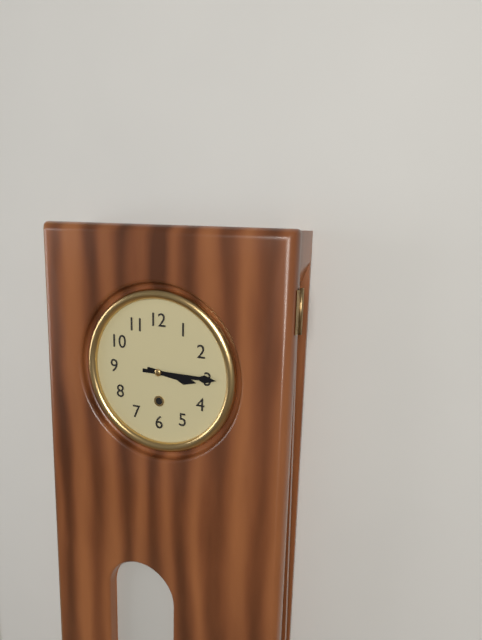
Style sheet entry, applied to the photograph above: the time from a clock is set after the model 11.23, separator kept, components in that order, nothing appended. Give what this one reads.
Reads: 3.15
